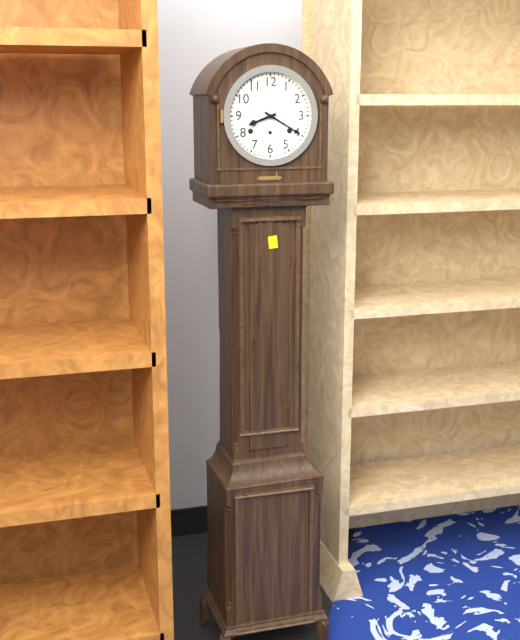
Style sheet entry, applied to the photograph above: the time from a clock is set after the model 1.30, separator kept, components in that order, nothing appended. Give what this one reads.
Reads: 8.20
